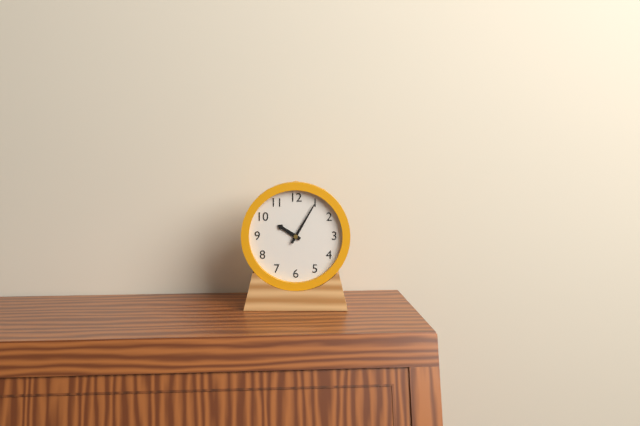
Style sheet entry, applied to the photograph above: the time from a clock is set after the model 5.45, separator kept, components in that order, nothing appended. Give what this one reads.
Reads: 10.05
